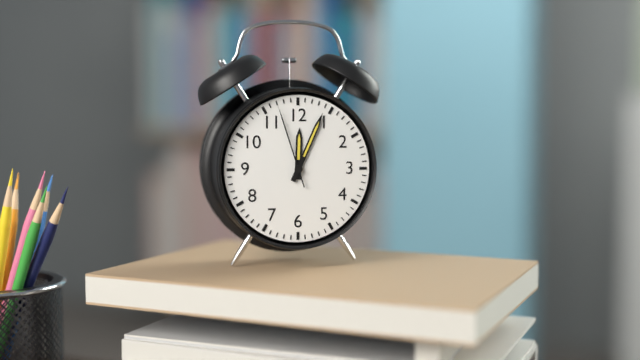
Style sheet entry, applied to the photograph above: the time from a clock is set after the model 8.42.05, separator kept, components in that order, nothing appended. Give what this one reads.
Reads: 12.04.57
